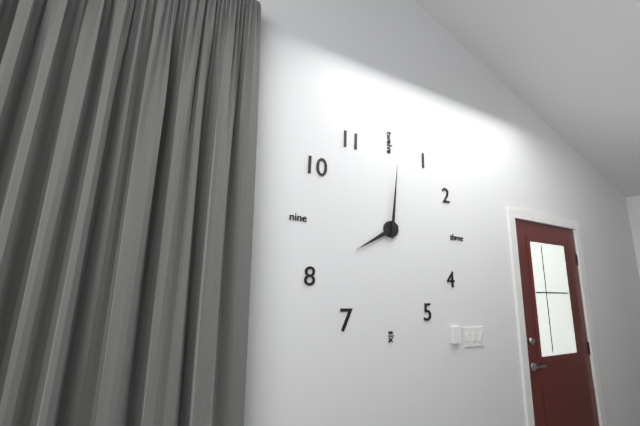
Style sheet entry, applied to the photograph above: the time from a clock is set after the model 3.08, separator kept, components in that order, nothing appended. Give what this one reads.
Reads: 8.01
